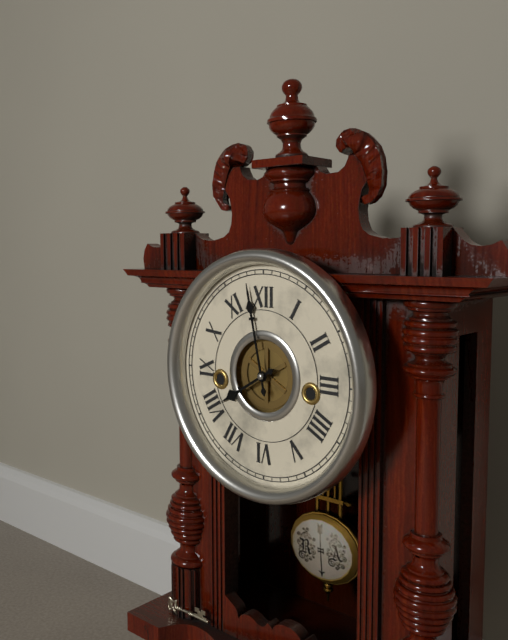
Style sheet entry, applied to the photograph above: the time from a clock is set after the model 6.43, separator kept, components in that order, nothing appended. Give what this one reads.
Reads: 7.58
